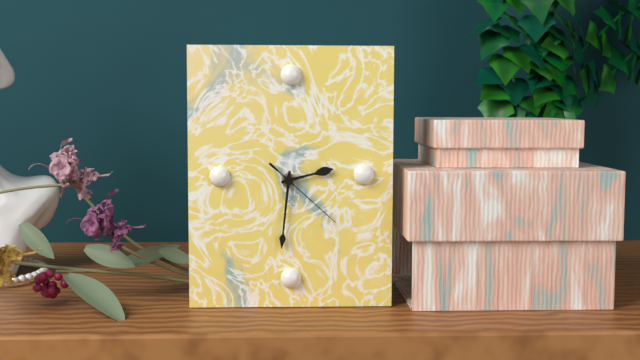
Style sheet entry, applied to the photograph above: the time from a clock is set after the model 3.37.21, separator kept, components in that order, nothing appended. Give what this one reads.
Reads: 2.31.22
